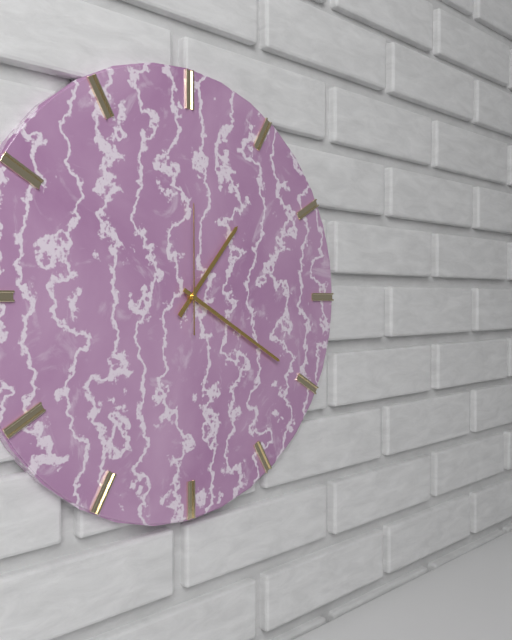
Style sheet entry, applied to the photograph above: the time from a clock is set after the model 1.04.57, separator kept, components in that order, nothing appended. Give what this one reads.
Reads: 1.20.00
